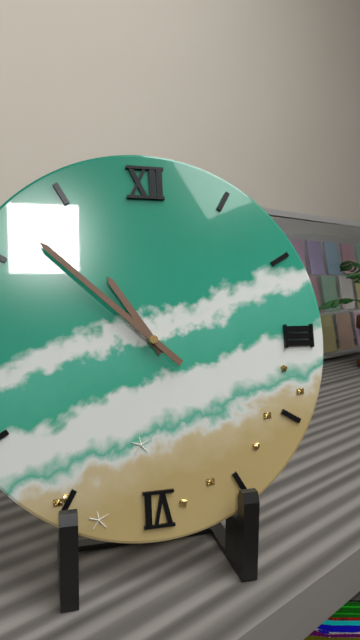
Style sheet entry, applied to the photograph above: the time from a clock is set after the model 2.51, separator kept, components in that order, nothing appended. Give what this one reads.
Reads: 10.52
